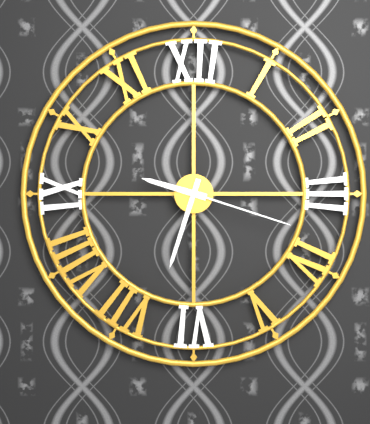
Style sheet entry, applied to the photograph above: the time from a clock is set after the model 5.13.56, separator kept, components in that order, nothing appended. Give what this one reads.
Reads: 9.33.18
